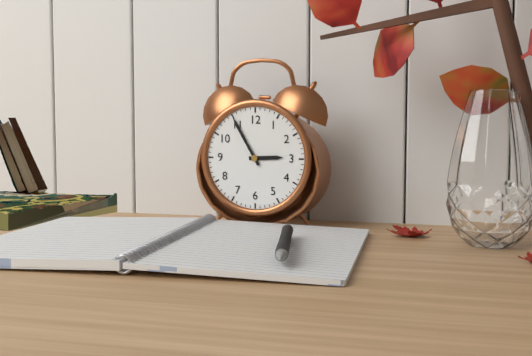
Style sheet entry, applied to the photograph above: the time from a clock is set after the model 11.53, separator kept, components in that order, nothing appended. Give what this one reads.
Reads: 2.55
